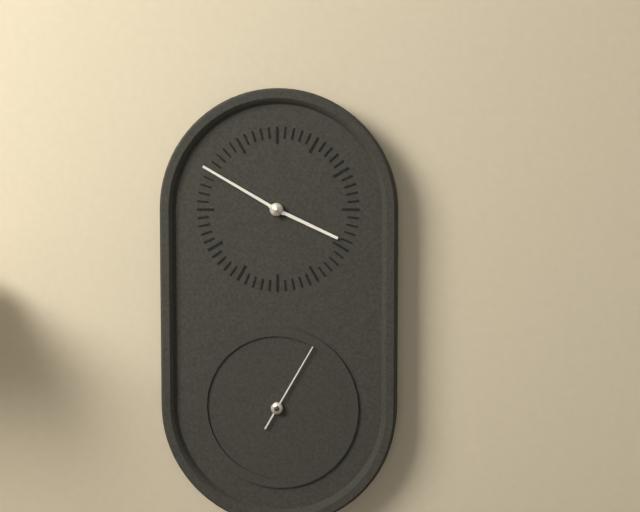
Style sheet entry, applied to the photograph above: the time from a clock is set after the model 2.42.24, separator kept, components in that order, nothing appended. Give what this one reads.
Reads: 3.50.05
